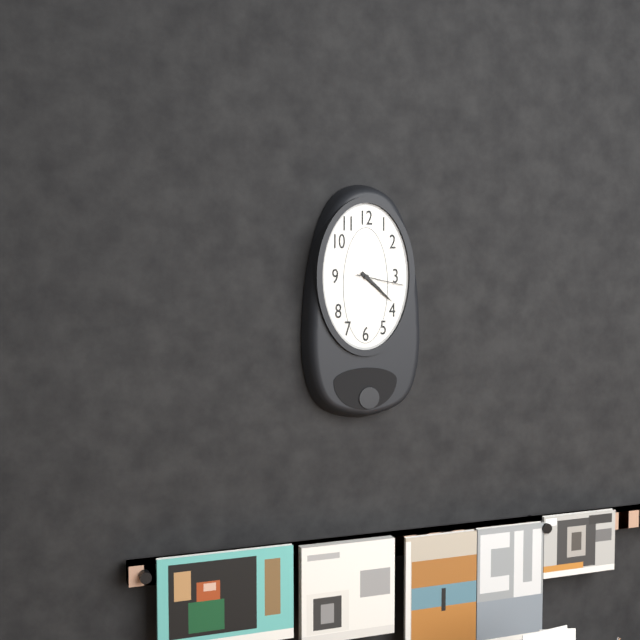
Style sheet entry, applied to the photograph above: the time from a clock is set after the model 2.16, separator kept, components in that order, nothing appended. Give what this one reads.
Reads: 4.22
